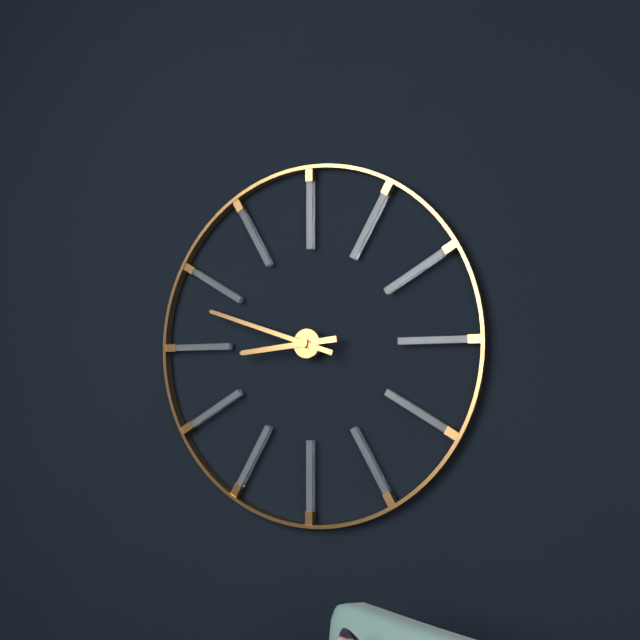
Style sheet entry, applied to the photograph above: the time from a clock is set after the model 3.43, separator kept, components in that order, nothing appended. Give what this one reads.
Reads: 8.48
